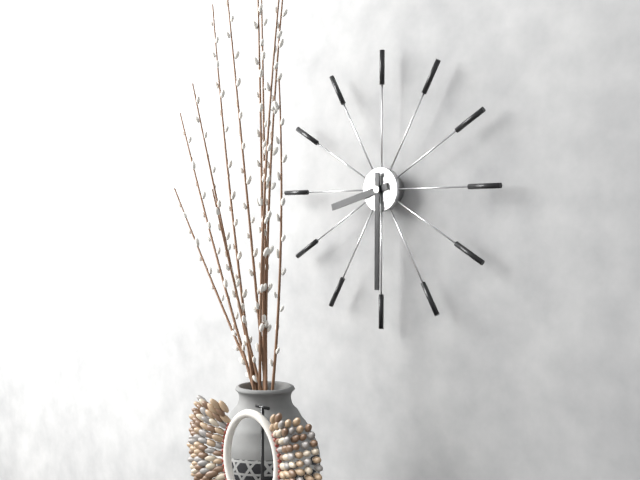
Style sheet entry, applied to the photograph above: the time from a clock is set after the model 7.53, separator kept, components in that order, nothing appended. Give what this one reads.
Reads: 8.30
